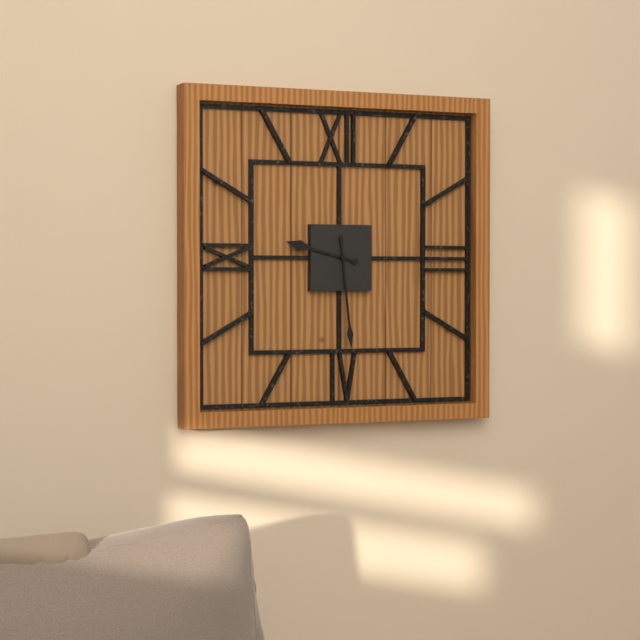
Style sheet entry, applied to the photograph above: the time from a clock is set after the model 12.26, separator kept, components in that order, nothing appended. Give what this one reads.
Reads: 9.29
